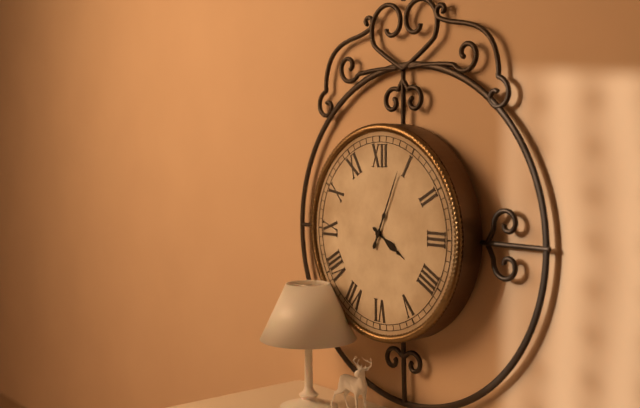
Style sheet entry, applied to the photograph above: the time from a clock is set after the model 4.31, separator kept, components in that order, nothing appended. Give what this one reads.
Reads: 4.04
